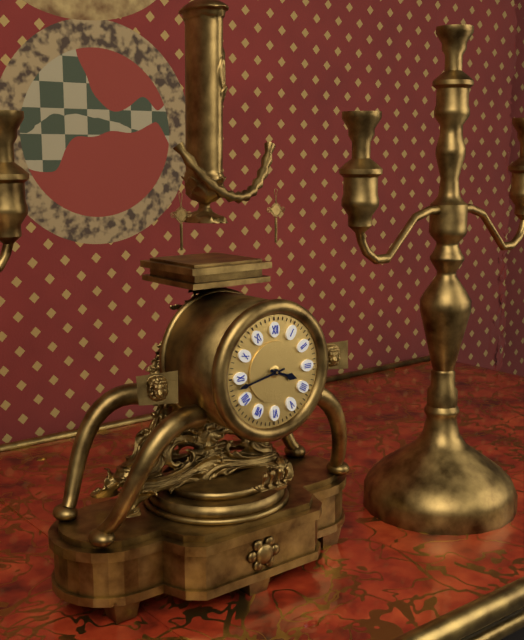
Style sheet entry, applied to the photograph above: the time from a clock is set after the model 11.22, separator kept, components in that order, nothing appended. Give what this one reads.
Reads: 3.43
